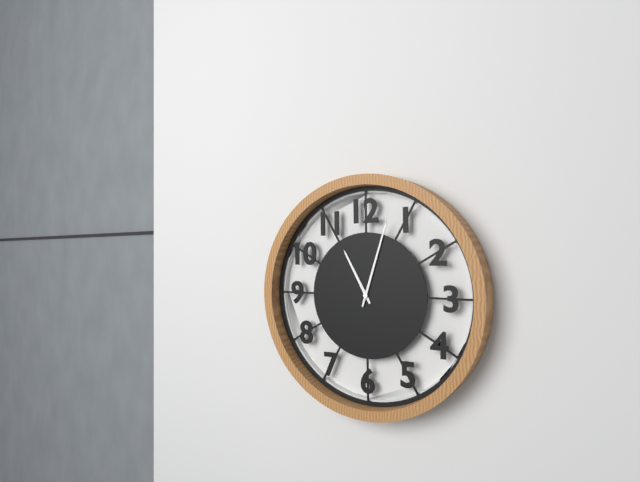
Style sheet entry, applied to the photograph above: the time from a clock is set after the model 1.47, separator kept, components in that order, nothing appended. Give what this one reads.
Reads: 11.03
